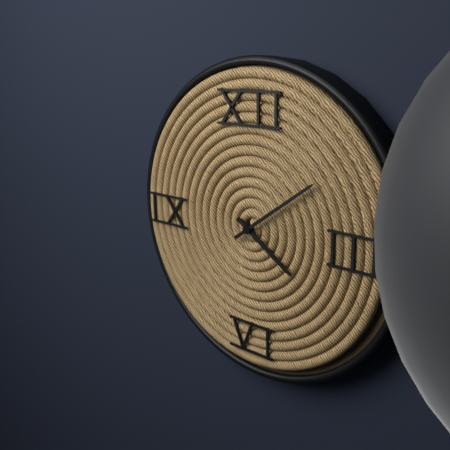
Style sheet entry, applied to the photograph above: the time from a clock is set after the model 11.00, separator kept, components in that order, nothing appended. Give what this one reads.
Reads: 4.09
